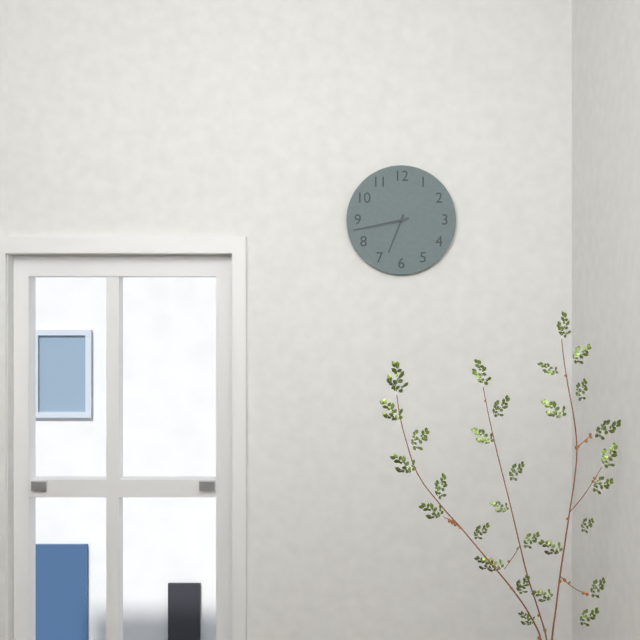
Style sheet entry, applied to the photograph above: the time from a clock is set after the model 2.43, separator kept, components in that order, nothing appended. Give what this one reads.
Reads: 6.43
